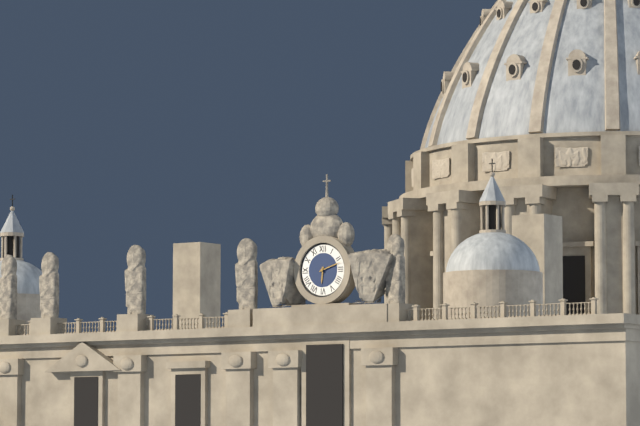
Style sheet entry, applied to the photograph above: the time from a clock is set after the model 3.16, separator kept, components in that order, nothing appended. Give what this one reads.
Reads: 6.12
